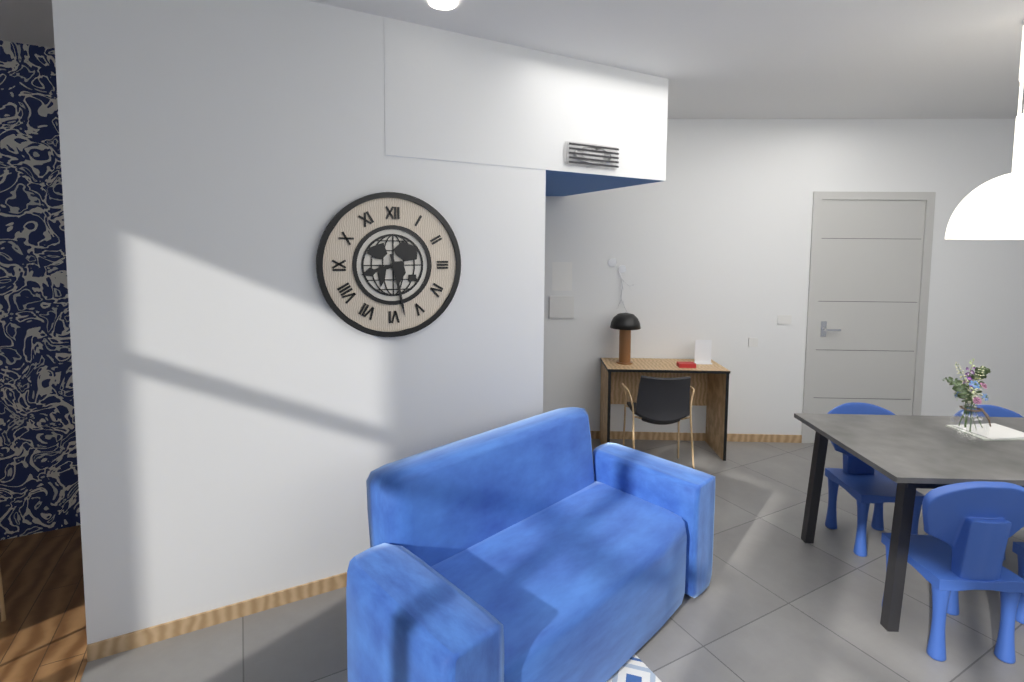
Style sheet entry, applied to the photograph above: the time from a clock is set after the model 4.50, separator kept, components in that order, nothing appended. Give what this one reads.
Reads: 8.28
